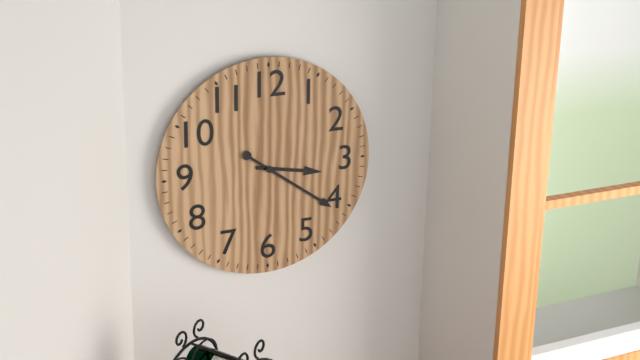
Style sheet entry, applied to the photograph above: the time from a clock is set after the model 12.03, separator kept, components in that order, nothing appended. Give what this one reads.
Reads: 3.21
